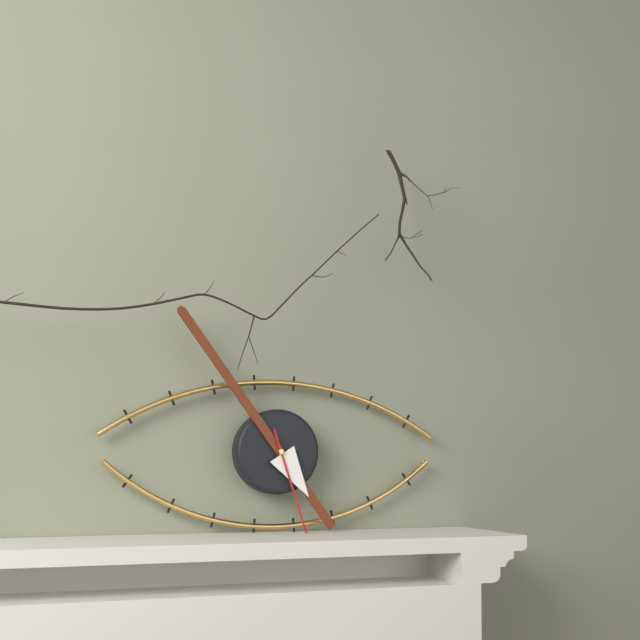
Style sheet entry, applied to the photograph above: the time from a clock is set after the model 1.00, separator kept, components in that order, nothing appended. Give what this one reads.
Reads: 4.54
